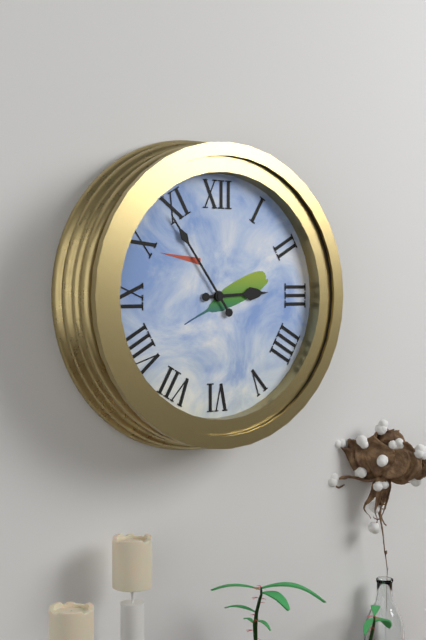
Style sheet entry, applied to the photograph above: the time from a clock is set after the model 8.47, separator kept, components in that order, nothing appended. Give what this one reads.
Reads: 2.54
